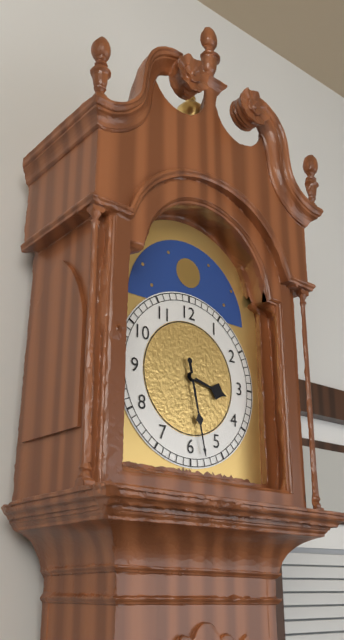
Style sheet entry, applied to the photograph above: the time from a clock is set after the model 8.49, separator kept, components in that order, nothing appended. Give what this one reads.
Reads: 3.28
